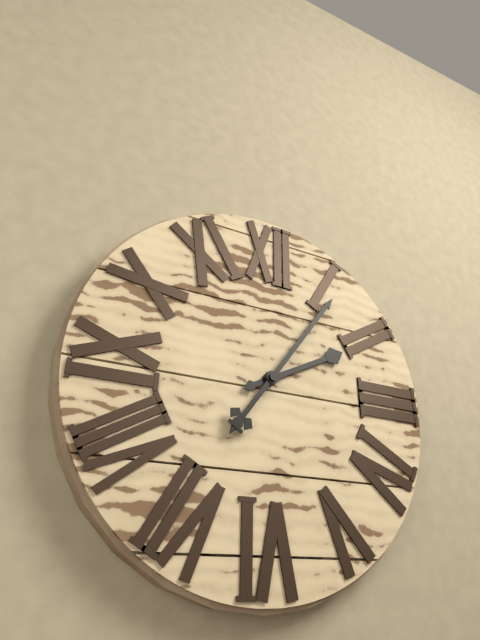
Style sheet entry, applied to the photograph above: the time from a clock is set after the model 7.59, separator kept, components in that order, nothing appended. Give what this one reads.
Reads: 2.06
